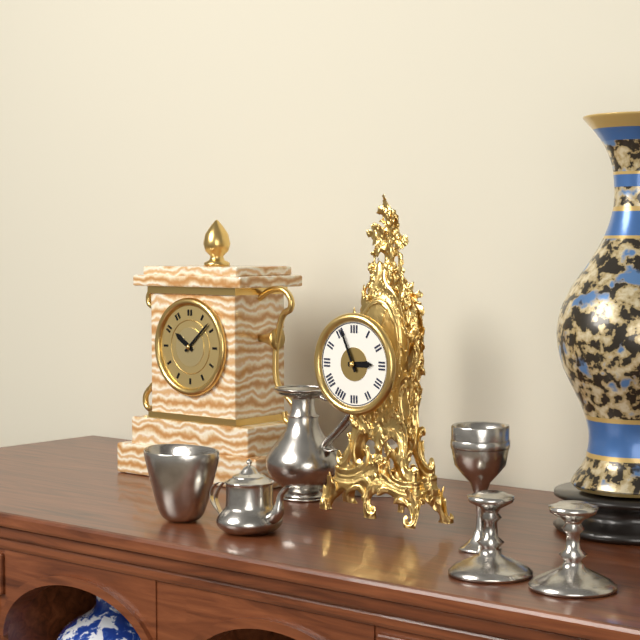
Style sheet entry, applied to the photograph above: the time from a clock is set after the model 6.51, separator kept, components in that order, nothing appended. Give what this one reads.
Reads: 2.56
